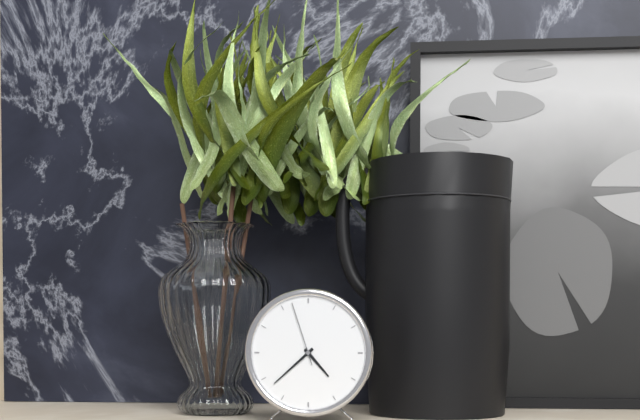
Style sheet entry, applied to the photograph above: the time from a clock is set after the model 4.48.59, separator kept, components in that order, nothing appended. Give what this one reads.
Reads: 4.38.57
